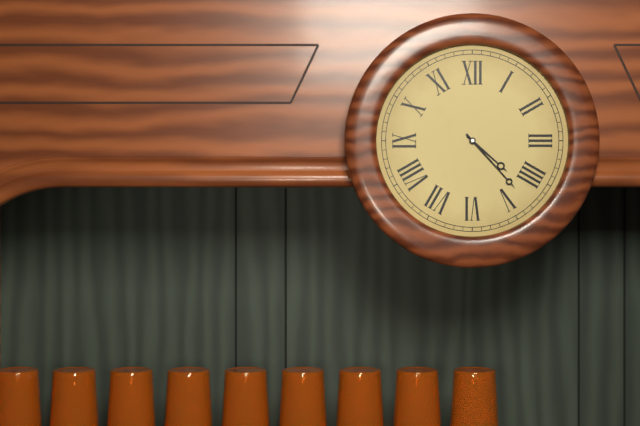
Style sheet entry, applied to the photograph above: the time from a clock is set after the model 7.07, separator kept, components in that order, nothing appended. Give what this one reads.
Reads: 4.23
